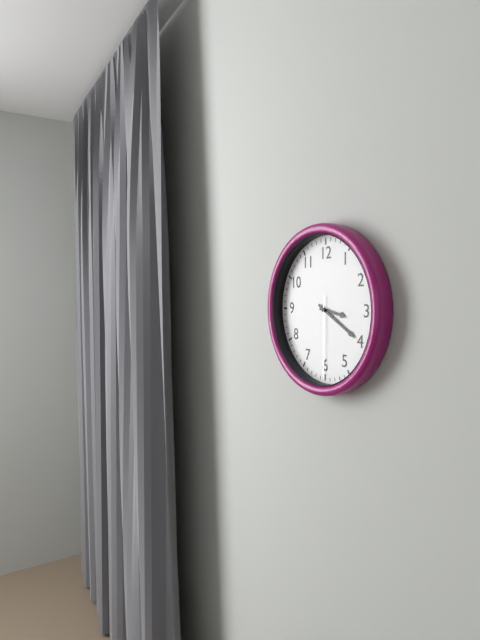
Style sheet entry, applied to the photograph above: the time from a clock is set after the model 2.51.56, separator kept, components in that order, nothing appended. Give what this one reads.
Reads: 3.20.30
